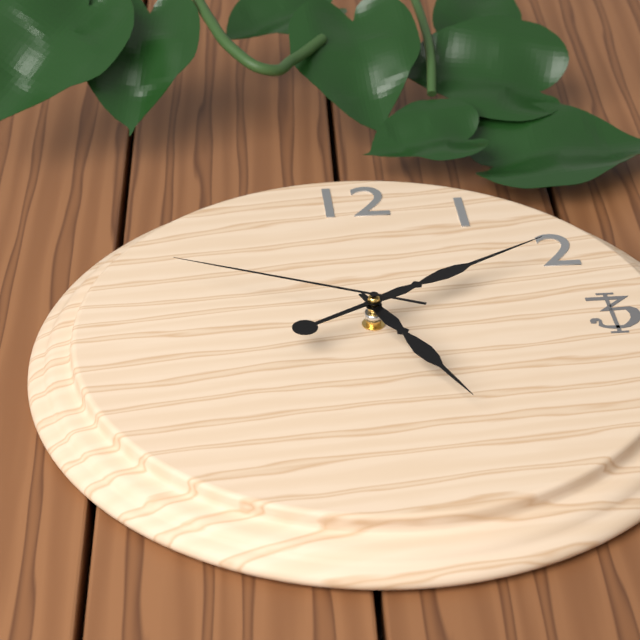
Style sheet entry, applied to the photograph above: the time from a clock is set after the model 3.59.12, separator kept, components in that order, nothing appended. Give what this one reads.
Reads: 5.10.49
